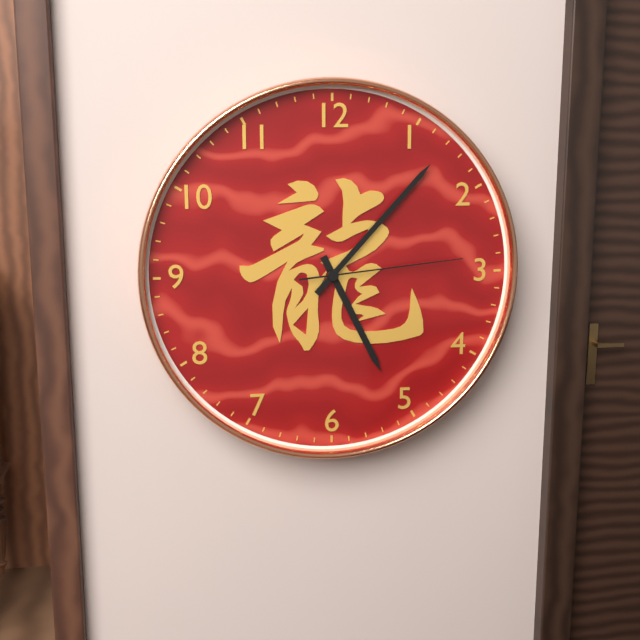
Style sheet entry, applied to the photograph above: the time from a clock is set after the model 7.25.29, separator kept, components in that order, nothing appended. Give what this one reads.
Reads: 5.07.14
